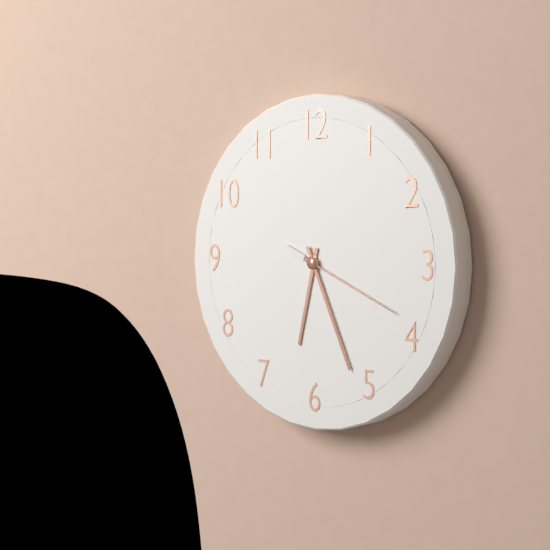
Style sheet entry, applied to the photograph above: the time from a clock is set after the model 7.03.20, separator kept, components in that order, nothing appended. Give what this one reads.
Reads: 6.26.19
